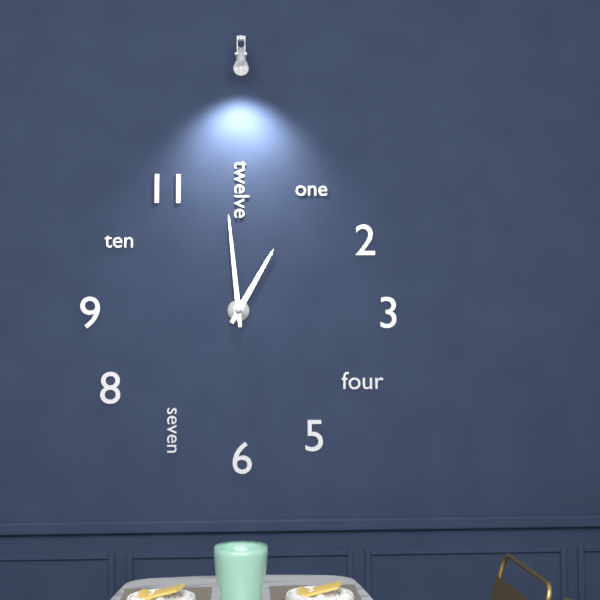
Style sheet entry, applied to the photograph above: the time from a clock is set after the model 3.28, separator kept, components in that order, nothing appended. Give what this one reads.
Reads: 12.59
